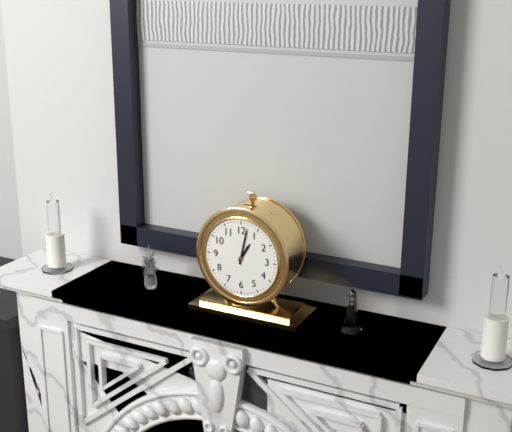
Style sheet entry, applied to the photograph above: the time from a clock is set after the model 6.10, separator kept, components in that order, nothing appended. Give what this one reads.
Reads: 1.02
